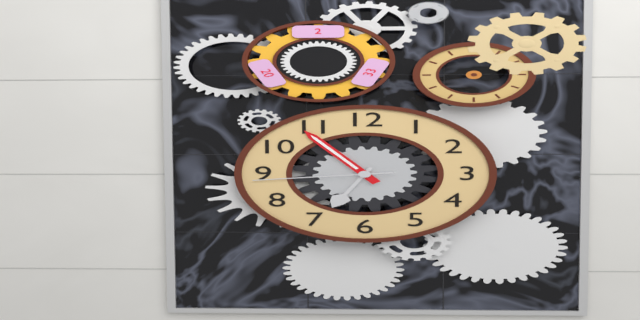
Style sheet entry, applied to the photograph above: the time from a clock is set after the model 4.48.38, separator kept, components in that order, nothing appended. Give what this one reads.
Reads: 6.54.44
